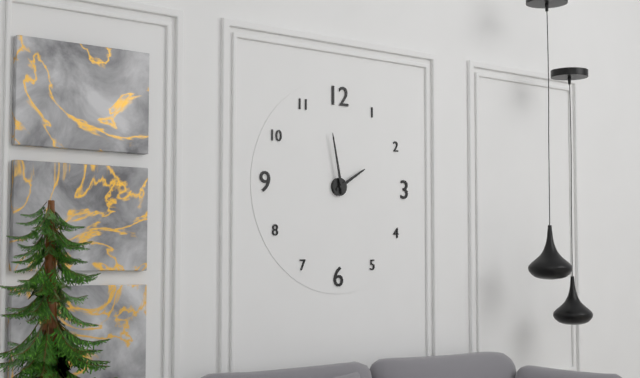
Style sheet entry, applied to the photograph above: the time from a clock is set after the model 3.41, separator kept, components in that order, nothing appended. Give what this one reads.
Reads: 1.58
